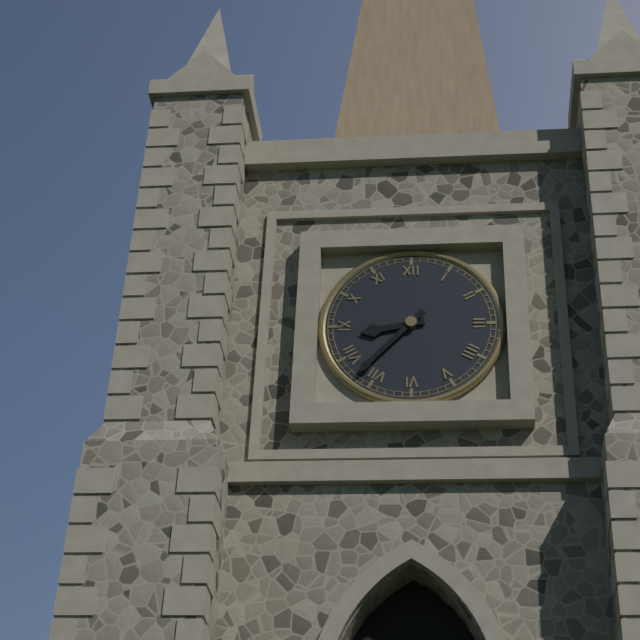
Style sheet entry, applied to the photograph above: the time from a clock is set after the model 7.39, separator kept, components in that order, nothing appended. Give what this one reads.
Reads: 8.37
